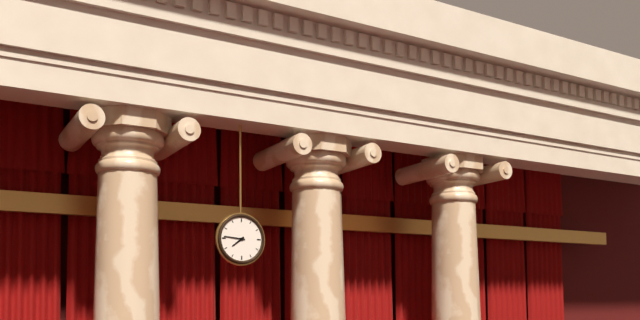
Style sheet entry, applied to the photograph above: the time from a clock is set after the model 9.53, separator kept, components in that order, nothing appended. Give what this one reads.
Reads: 7.46
